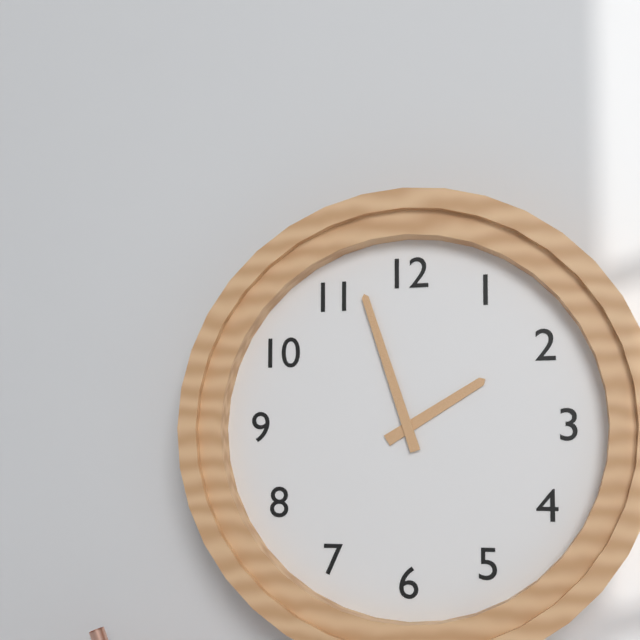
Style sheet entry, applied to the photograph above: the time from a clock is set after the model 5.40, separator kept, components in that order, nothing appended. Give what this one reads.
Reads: 1.57
